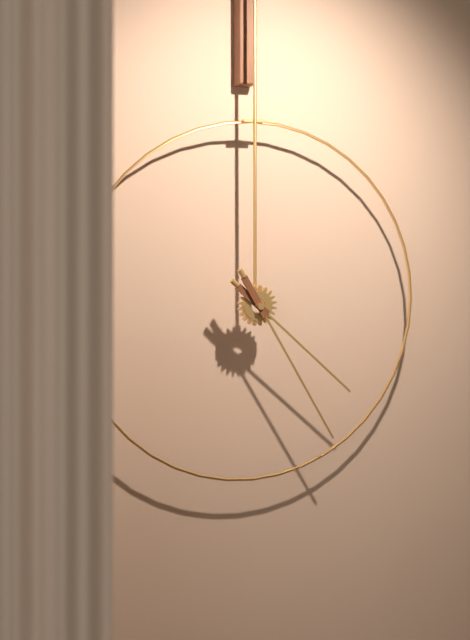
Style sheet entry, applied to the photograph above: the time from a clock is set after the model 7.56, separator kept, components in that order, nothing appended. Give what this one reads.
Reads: 4.25
